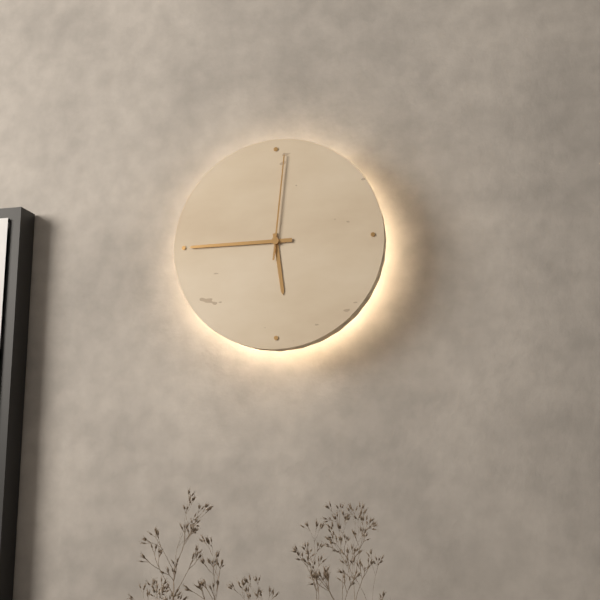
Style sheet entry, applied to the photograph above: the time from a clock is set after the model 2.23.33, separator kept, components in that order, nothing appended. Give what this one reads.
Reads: 5.45.01
